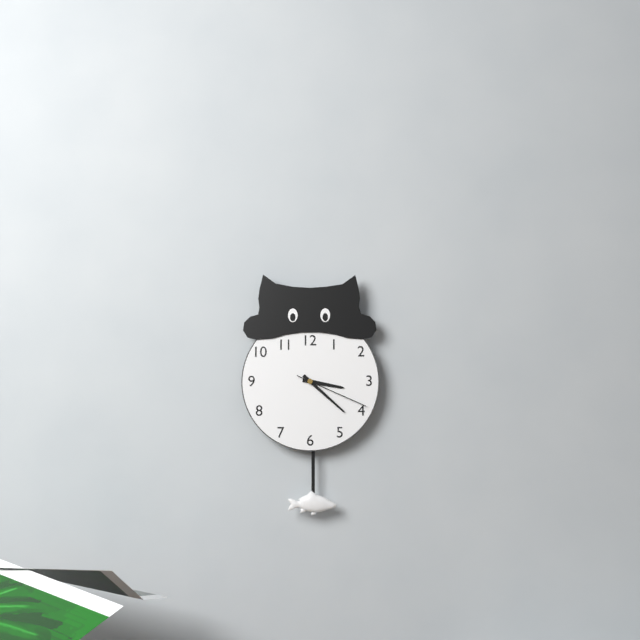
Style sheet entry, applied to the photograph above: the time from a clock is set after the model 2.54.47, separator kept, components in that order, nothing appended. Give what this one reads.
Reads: 3.22.19
